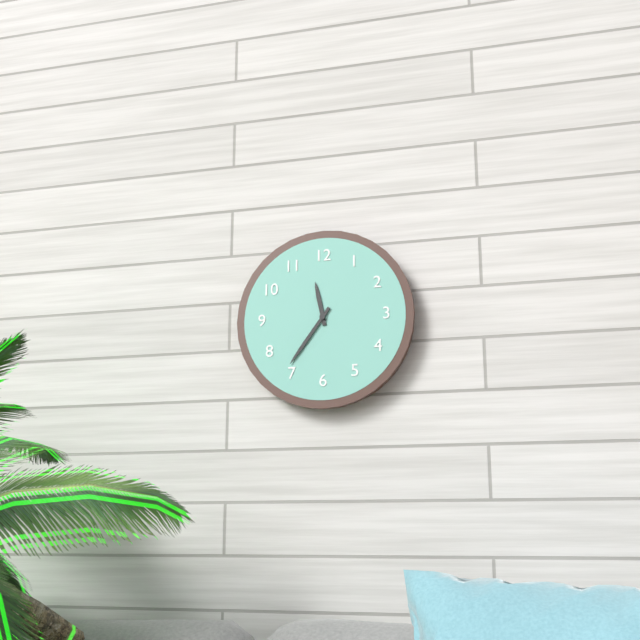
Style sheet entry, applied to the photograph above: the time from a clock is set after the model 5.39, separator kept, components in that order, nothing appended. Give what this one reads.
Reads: 11.36
